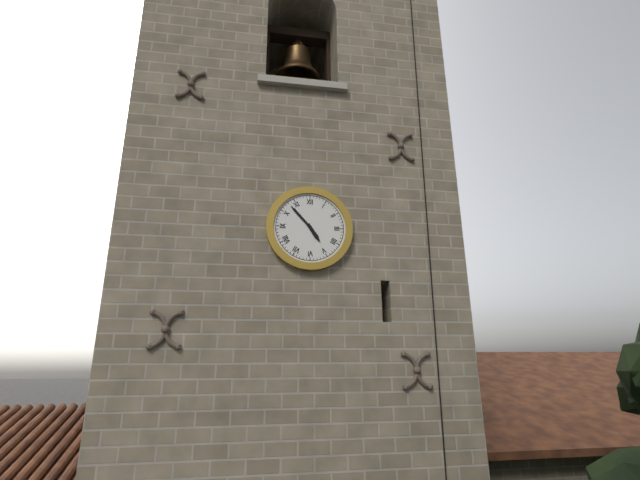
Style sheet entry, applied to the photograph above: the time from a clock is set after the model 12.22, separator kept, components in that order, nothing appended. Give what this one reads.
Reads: 4.53
